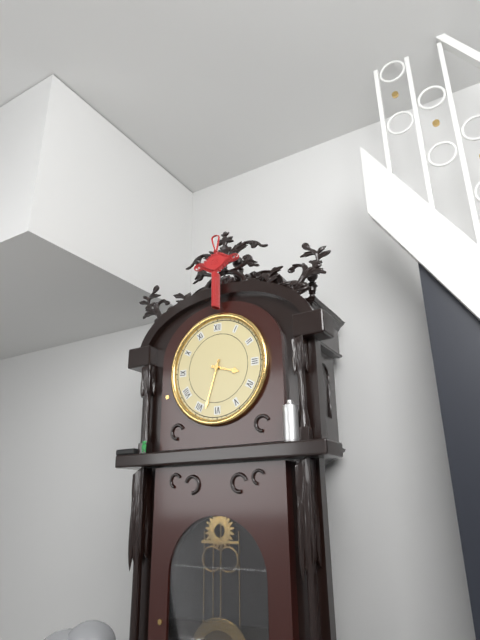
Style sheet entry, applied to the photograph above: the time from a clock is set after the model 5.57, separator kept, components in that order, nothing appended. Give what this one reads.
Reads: 3.33
